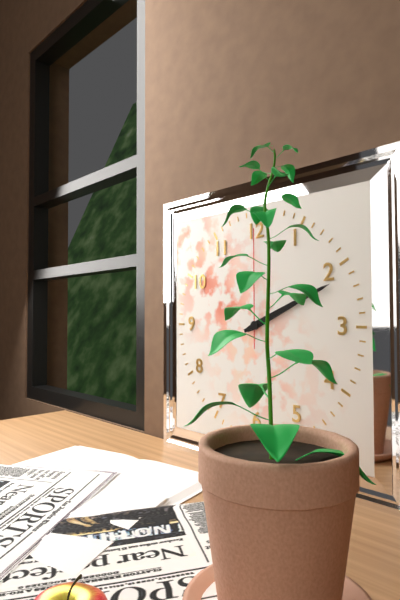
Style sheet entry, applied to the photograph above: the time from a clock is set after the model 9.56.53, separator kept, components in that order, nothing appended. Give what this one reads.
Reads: 2.11.00
